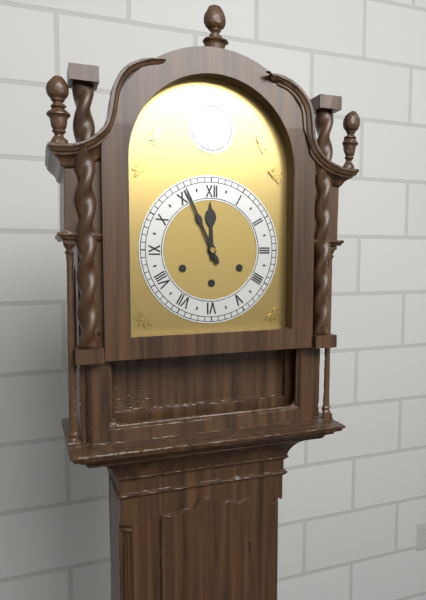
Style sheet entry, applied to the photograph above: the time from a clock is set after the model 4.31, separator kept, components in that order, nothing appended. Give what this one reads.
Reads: 11.56
